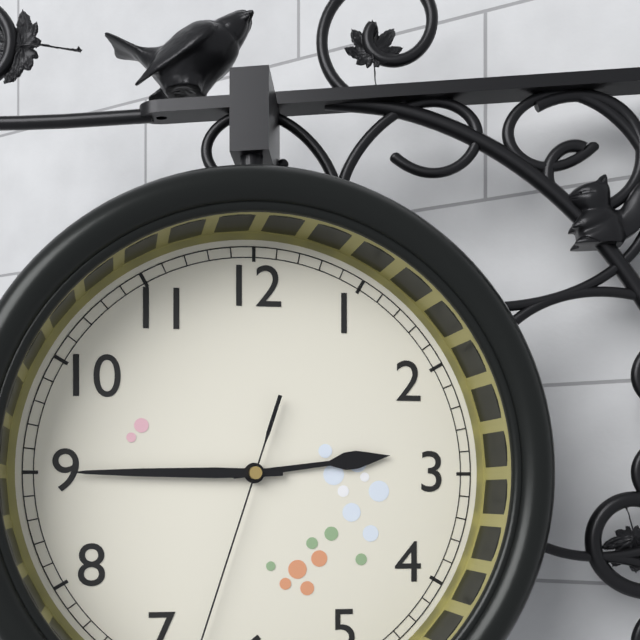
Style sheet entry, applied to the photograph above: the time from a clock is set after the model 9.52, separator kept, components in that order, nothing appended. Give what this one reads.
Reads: 2.45
